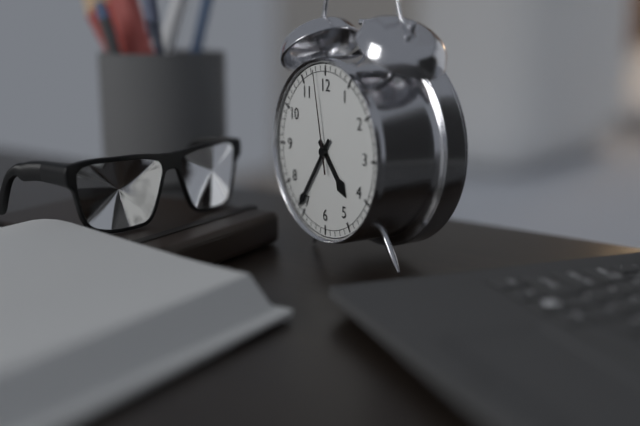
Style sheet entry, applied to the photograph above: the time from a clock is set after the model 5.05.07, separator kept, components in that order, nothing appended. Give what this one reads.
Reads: 4.36.58
